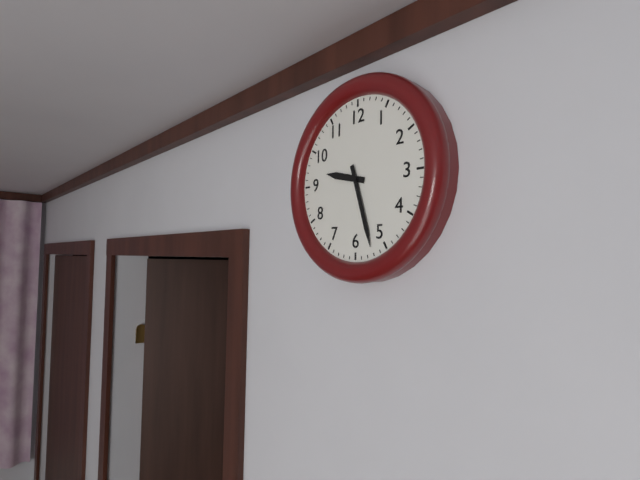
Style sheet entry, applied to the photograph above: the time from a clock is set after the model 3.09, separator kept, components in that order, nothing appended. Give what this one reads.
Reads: 9.27
